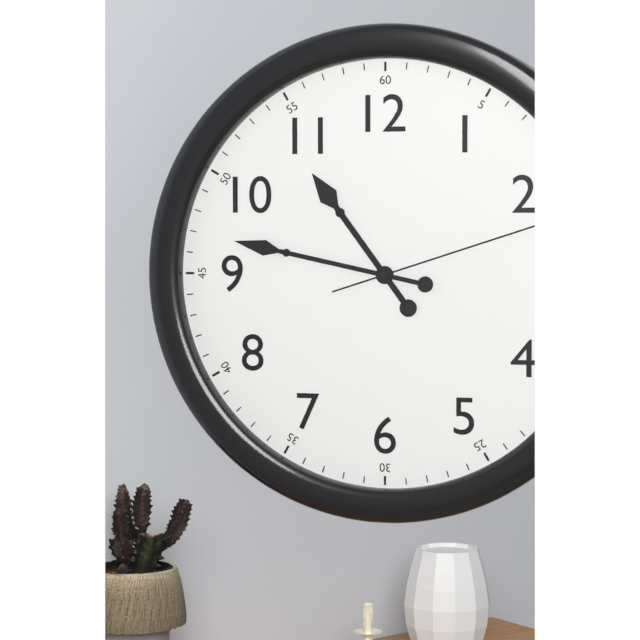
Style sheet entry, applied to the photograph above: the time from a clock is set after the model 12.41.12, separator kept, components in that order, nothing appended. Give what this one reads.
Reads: 10.47.12
